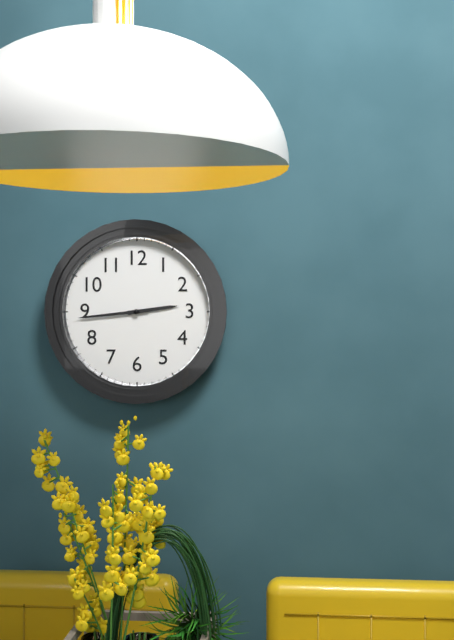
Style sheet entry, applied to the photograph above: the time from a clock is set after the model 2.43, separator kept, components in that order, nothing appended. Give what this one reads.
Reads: 2.44
